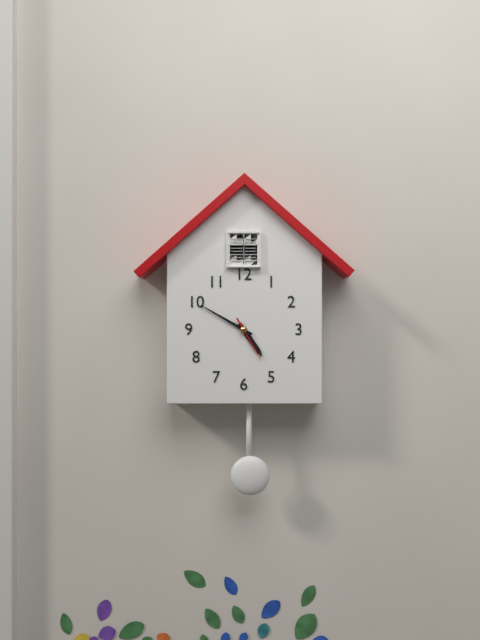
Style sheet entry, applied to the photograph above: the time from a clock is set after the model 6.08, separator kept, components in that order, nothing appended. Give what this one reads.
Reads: 4.50
